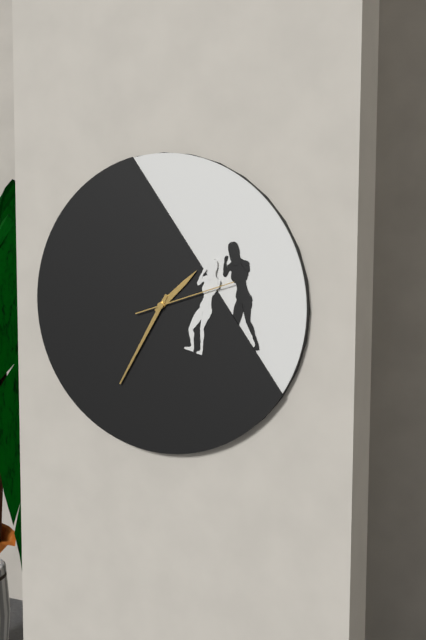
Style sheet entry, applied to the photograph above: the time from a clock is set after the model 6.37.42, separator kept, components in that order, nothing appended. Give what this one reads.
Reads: 1.35.12
